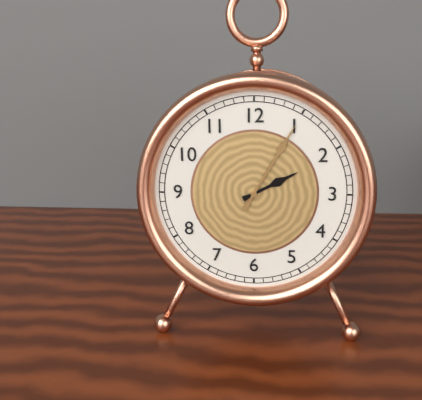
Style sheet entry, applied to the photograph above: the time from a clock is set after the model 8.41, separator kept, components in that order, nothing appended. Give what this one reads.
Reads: 2.05
